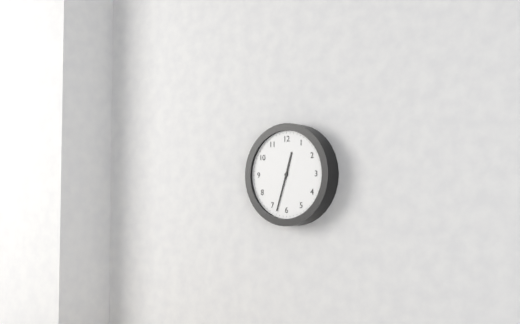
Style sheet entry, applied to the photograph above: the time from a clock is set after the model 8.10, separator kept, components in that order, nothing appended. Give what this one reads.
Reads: 12.33
